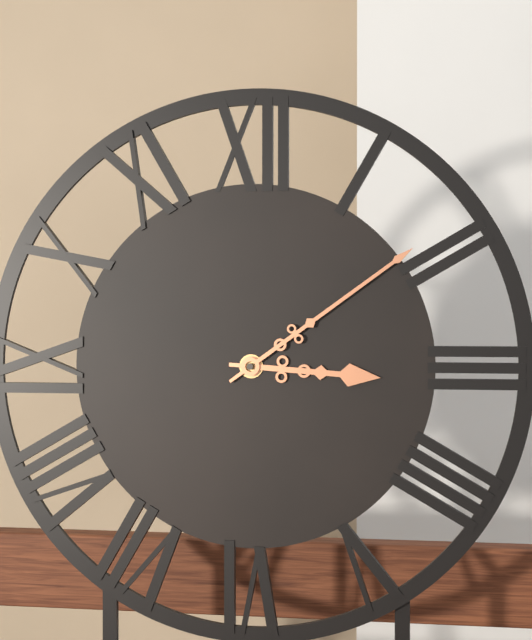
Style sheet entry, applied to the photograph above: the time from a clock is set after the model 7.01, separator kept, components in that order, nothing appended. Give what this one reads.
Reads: 3.09
